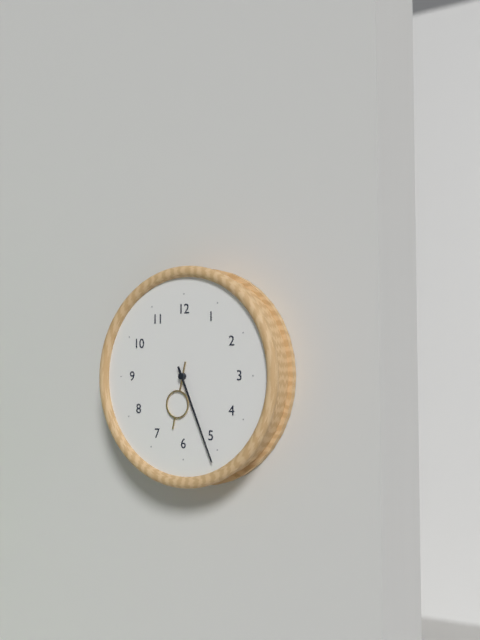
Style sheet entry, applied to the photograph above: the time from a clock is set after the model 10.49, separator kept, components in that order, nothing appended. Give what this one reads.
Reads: 6.26
